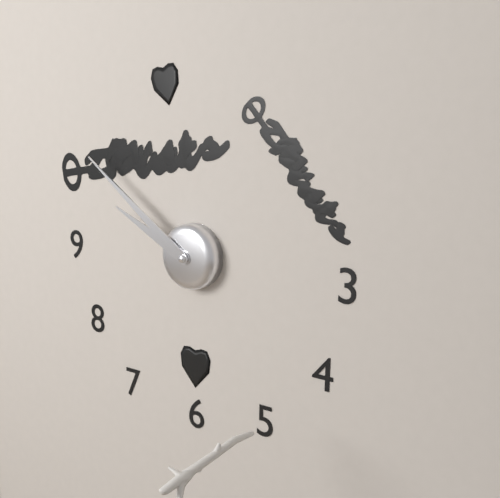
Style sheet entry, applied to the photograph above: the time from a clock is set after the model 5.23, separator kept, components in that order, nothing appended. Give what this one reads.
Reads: 9.51
